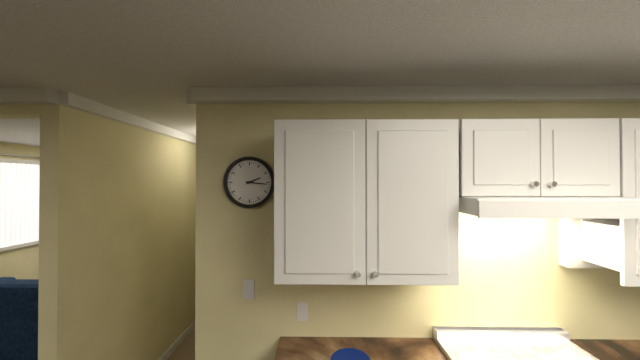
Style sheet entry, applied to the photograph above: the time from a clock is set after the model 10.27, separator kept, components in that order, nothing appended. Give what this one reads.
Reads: 2.16
